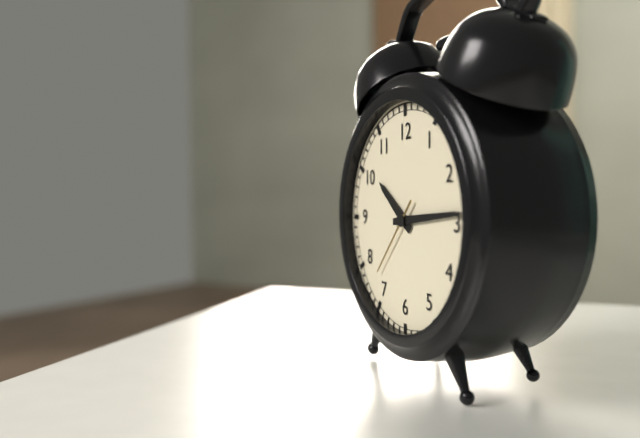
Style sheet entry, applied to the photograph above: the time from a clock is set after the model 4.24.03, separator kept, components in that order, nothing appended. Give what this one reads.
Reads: 10.14.37
